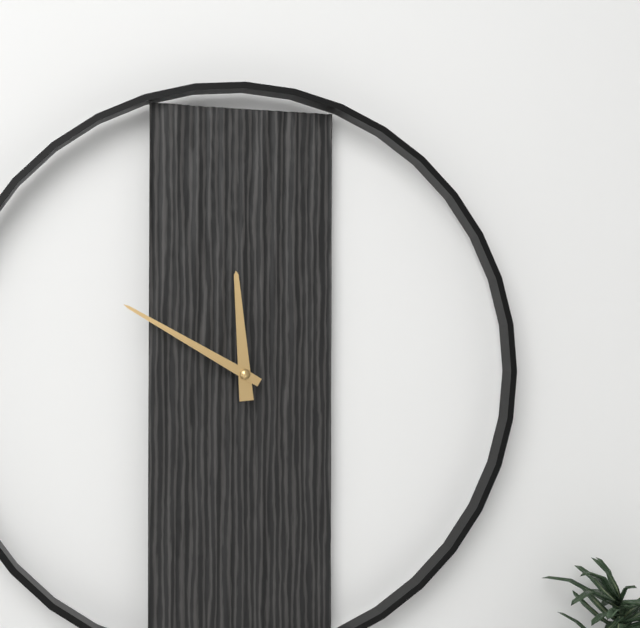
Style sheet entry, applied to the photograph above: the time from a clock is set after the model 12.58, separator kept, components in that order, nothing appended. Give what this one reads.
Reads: 11.50
